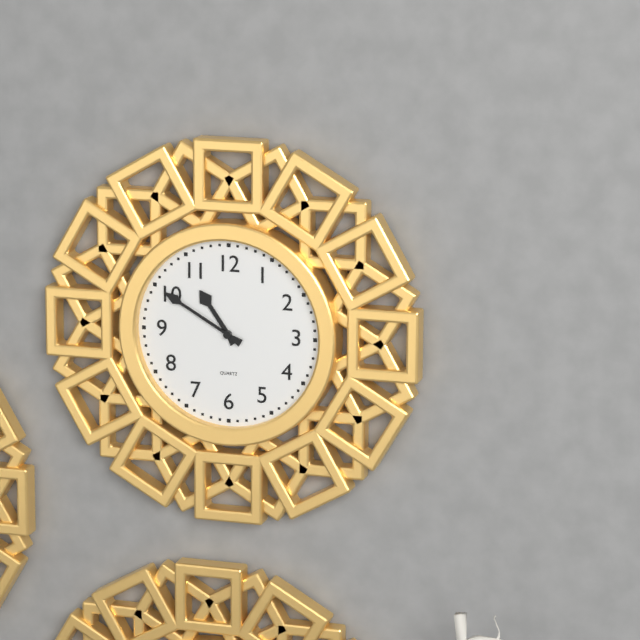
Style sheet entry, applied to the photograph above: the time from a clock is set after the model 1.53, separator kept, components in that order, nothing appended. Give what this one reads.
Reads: 10.50
